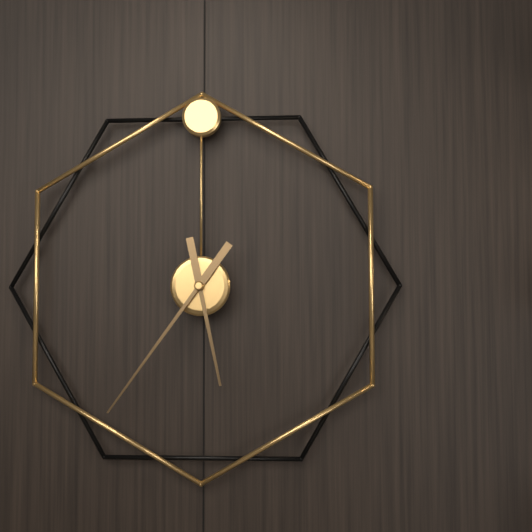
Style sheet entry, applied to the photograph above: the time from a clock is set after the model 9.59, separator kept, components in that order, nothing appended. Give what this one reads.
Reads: 5.36
